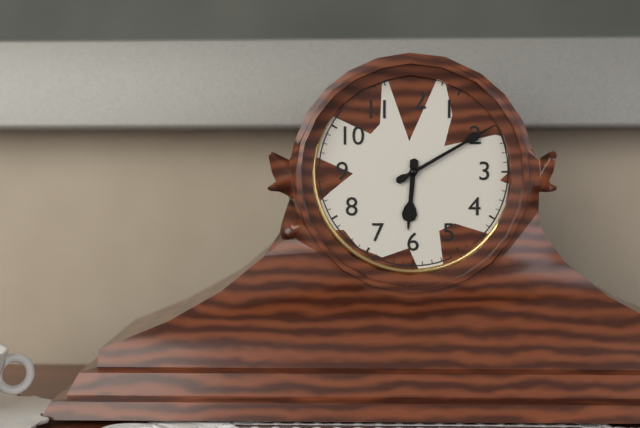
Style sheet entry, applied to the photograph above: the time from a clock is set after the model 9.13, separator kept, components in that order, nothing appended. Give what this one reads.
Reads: 6.10
